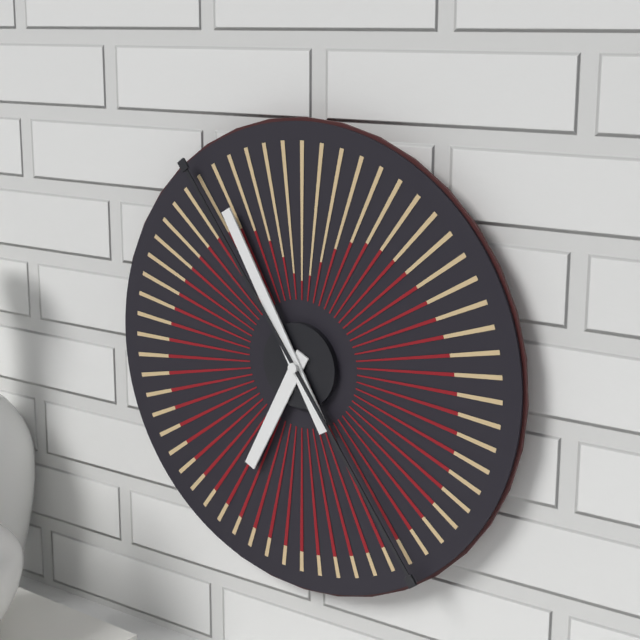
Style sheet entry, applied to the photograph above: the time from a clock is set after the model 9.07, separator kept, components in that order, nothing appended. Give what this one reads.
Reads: 6.55
